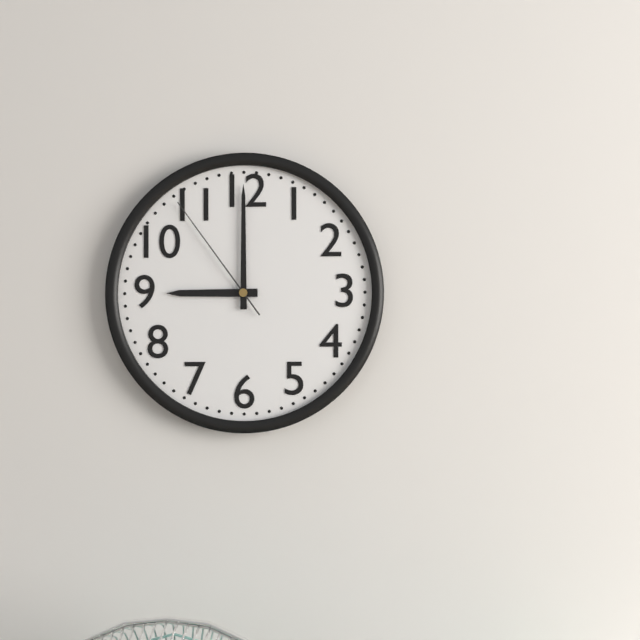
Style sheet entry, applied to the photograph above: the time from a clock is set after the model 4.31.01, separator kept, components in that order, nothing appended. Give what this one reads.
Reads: 9.00.54
